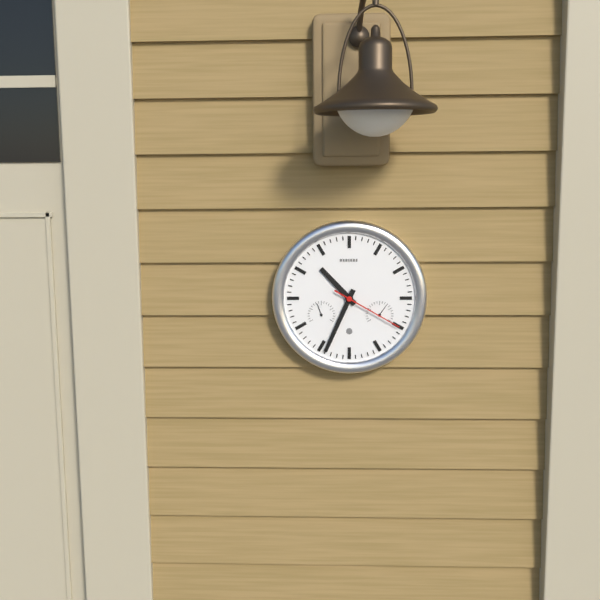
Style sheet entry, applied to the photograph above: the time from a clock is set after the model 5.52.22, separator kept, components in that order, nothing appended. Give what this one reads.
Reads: 10.34.20
